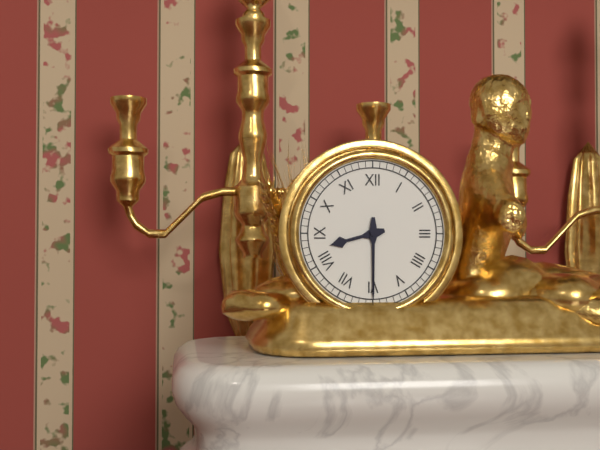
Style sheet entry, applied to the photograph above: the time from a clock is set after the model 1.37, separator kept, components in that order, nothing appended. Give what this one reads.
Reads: 8.30
